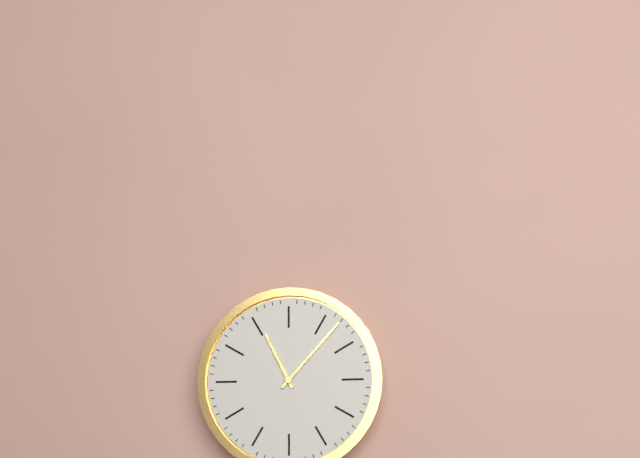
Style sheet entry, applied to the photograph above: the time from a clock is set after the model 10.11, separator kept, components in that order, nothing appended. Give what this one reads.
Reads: 11.07
